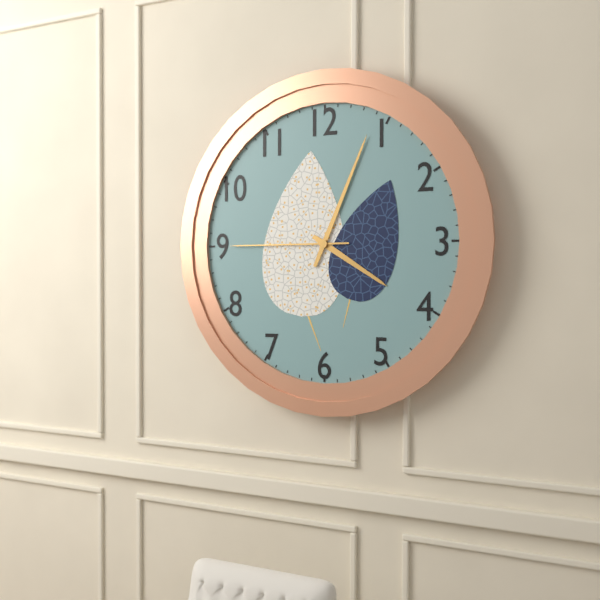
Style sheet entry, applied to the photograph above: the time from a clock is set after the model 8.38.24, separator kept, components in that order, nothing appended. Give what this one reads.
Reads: 4.04.45
